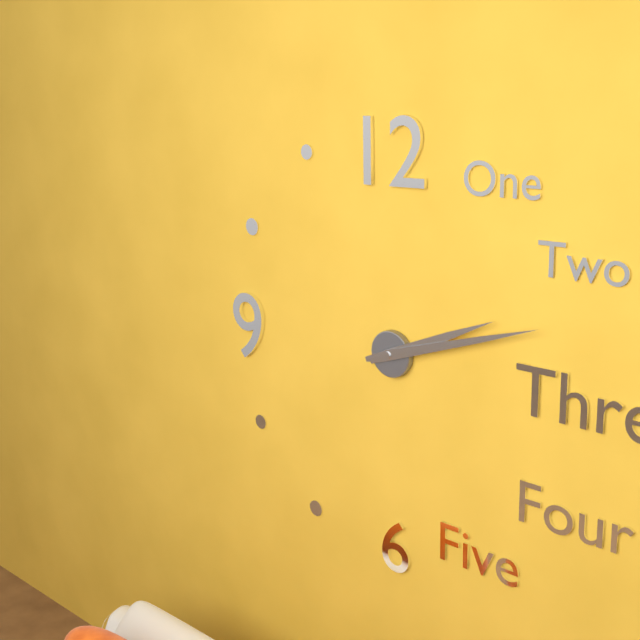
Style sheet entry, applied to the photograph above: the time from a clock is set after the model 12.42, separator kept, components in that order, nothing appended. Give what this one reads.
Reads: 2.12
